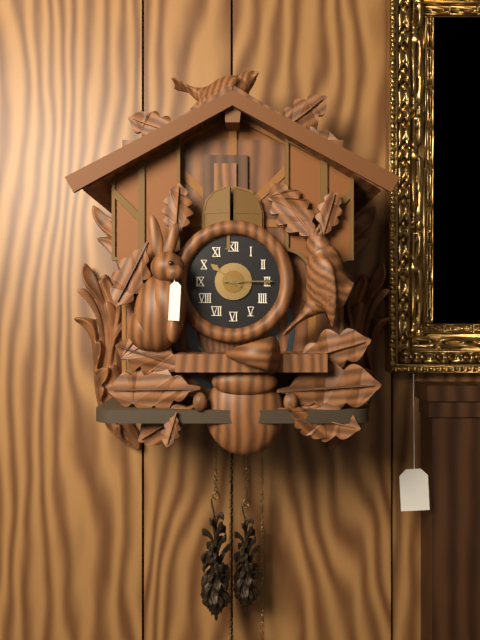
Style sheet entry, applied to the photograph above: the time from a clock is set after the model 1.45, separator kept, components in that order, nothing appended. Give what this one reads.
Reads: 10.15
